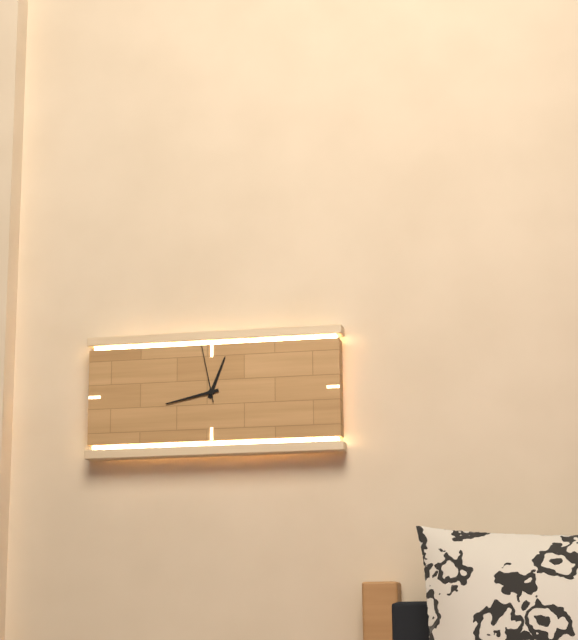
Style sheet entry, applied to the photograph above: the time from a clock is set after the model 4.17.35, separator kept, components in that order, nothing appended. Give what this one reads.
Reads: 12.43.58
